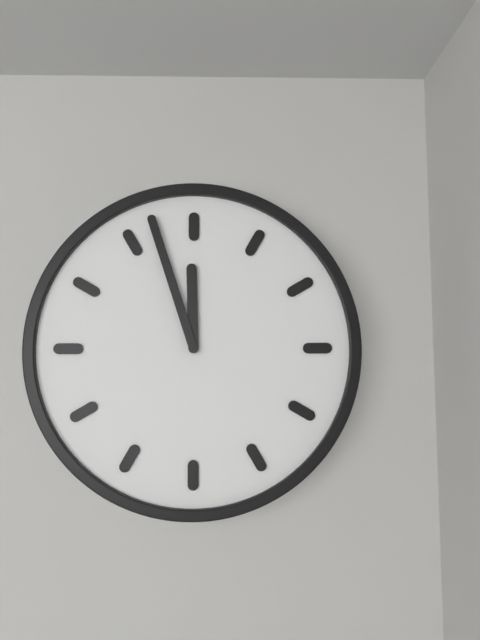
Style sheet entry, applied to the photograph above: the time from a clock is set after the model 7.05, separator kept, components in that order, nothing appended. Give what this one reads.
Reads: 11.57
